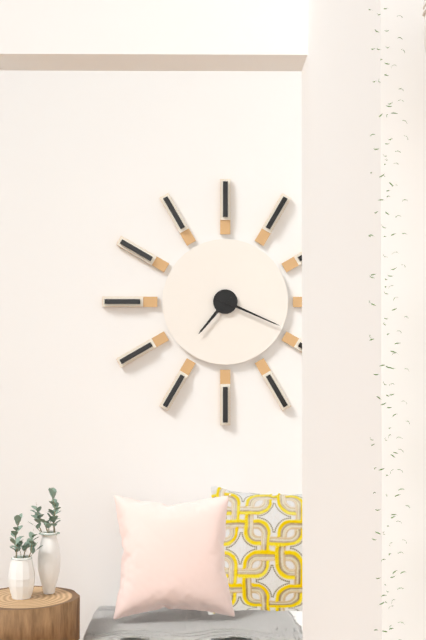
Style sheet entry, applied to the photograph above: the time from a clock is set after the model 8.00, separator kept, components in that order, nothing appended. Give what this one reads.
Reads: 7.19
